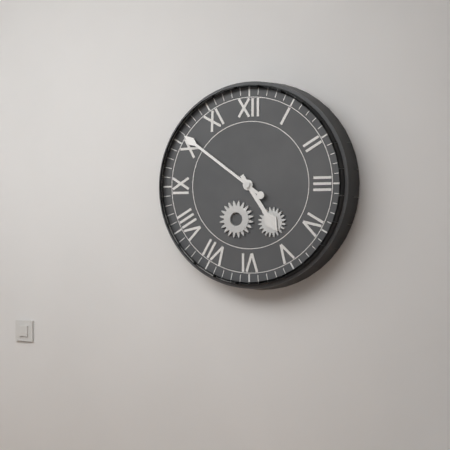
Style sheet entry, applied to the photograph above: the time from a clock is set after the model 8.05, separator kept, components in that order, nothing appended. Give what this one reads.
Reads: 4.51
